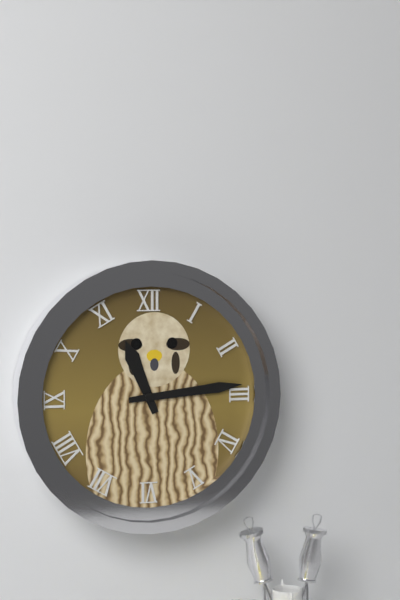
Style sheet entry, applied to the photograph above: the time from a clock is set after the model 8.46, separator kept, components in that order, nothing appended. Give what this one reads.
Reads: 11.14
